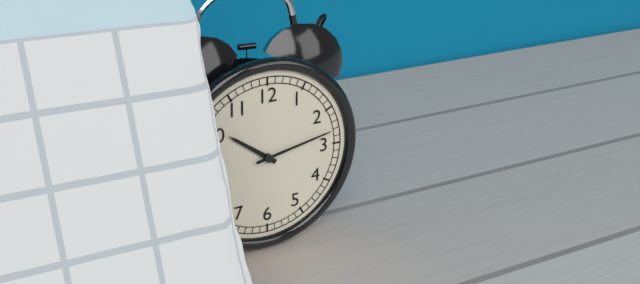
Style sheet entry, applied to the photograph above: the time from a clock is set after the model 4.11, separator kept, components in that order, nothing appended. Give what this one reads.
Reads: 10.13
